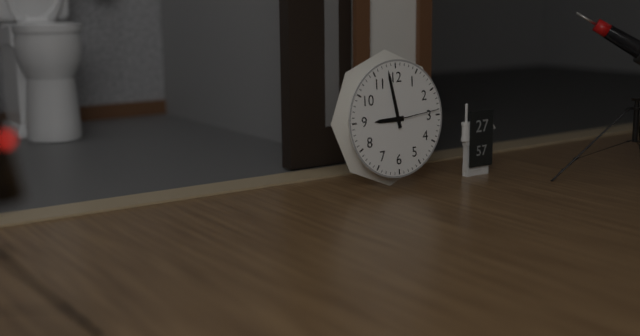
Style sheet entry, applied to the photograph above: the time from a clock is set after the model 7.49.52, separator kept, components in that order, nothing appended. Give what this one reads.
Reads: 8.58.14
